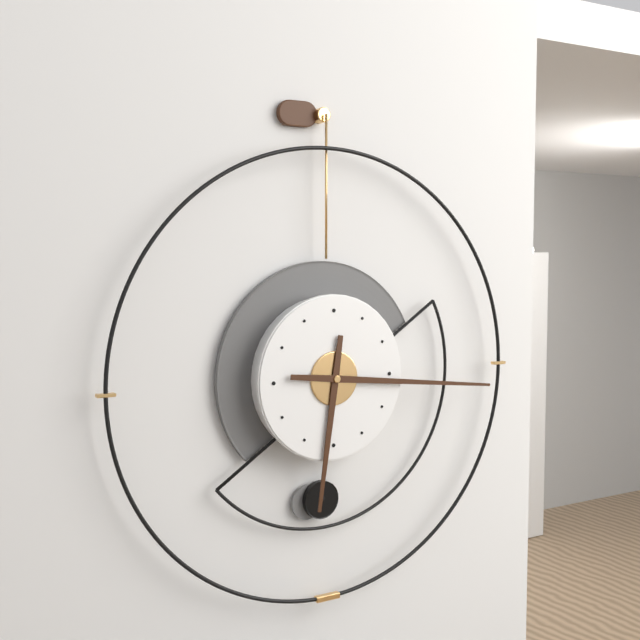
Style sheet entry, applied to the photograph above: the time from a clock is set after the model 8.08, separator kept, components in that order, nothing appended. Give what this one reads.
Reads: 6.16
